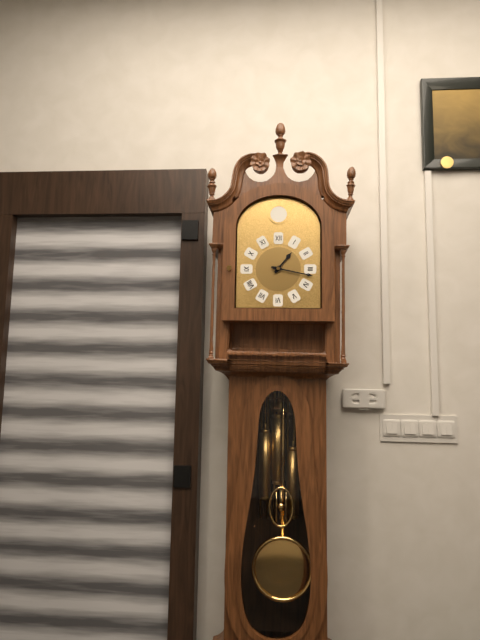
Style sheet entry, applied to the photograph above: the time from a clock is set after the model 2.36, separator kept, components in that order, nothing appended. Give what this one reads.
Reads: 1.17
